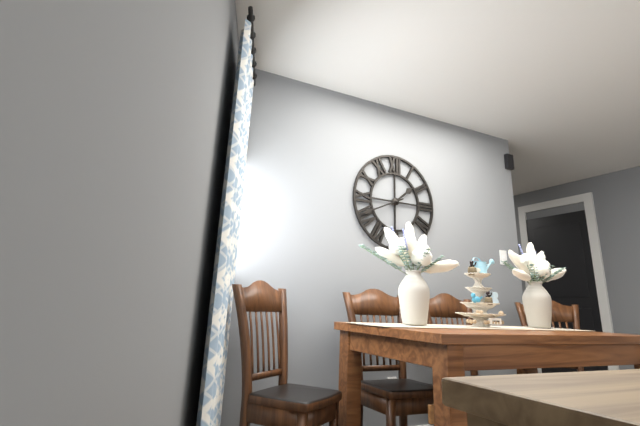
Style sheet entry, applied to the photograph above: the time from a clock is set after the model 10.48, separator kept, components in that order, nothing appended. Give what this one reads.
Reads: 1.41
